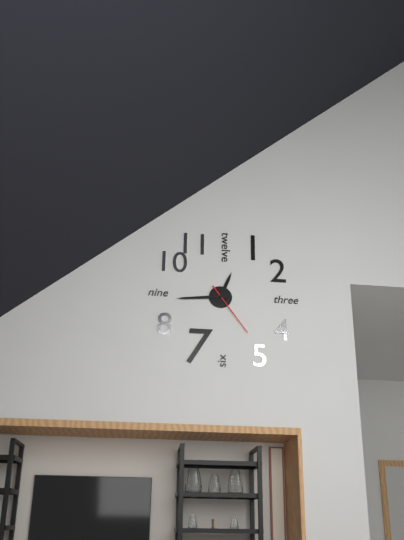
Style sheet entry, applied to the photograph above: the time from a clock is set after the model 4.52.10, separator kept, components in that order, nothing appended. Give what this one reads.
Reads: 12.44.24
